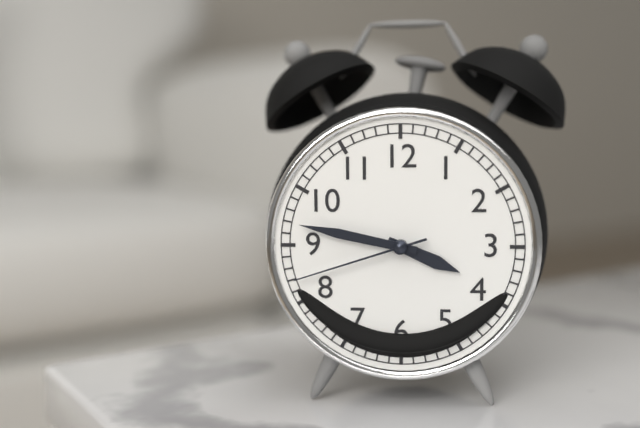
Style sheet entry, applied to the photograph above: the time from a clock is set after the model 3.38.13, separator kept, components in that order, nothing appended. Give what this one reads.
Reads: 3.47.42
